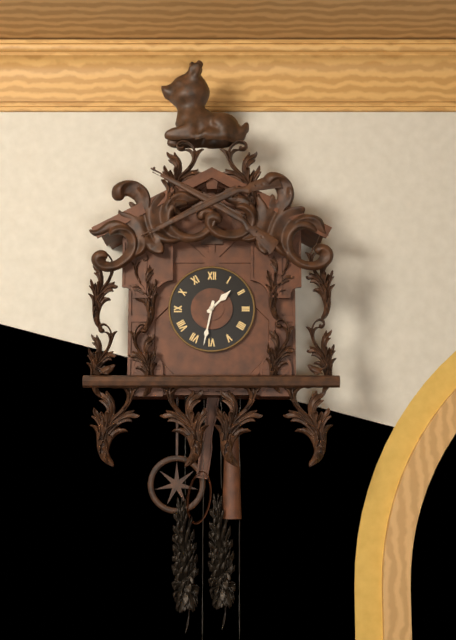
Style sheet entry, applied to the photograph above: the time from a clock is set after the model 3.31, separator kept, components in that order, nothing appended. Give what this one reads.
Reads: 1.32
